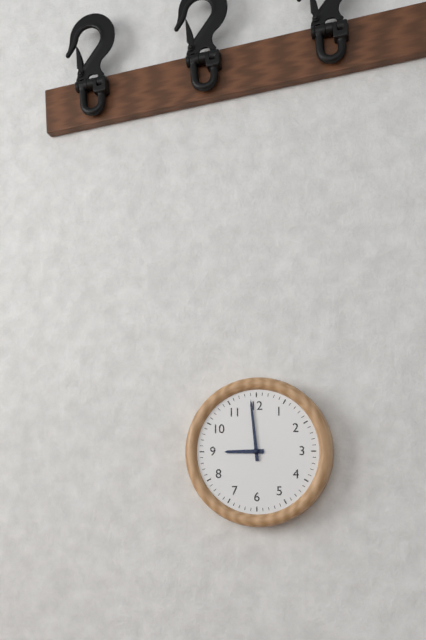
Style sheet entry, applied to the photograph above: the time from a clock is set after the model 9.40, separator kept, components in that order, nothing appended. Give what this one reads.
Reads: 8.59
